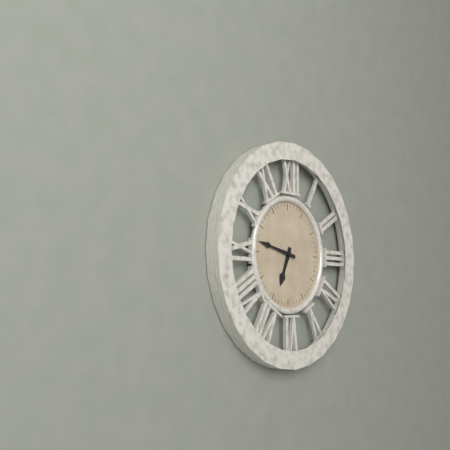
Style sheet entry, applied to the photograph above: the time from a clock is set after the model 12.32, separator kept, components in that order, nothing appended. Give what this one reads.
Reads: 6.47
